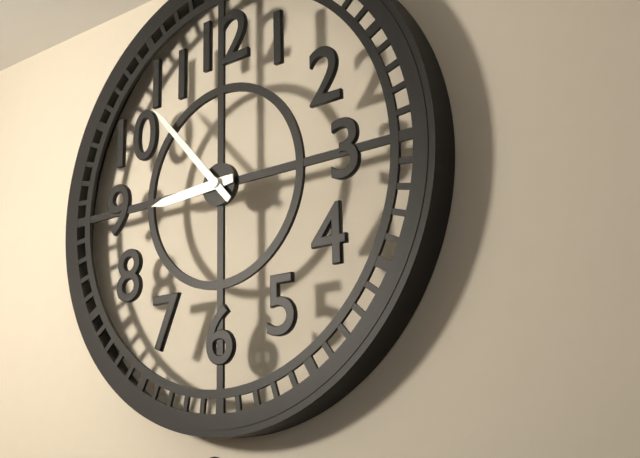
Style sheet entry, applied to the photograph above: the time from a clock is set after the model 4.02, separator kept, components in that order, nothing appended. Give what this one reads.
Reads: 8.53
